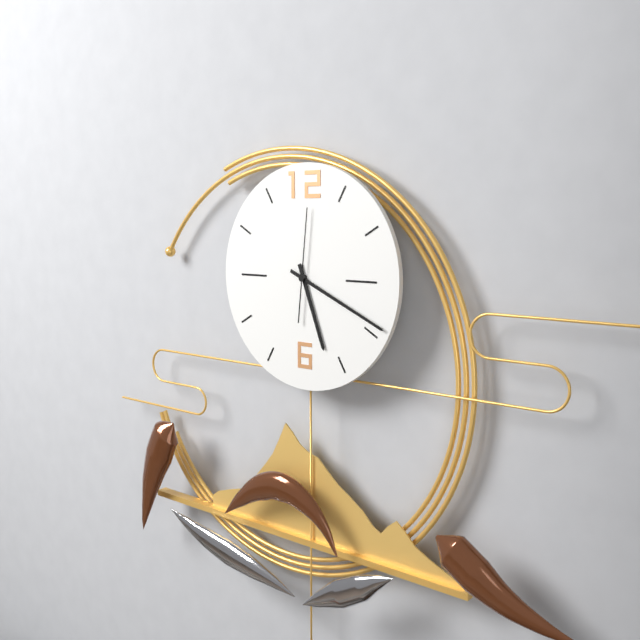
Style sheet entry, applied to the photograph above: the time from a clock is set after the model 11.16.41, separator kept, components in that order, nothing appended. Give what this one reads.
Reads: 5.19.01
